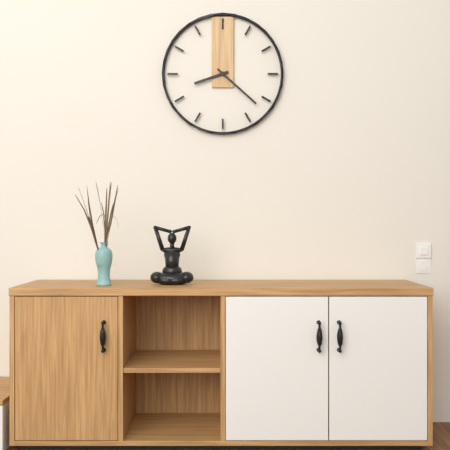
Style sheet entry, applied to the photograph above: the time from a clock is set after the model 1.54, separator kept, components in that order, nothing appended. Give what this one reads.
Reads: 8.22
